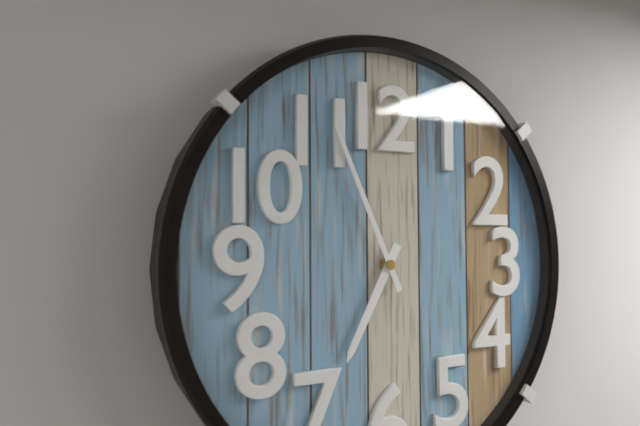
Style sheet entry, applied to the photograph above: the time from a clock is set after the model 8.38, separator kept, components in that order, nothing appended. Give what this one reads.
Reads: 6.56
